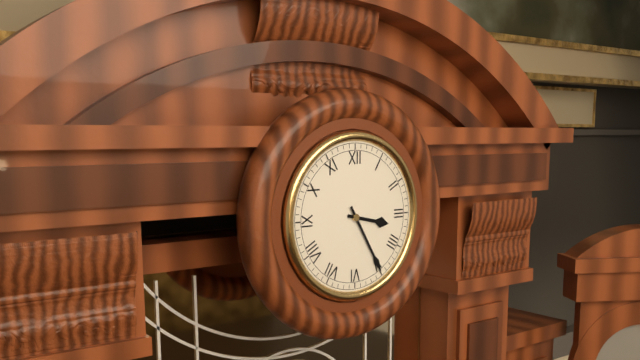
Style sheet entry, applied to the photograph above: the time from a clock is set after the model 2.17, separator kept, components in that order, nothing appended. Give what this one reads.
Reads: 3.25
